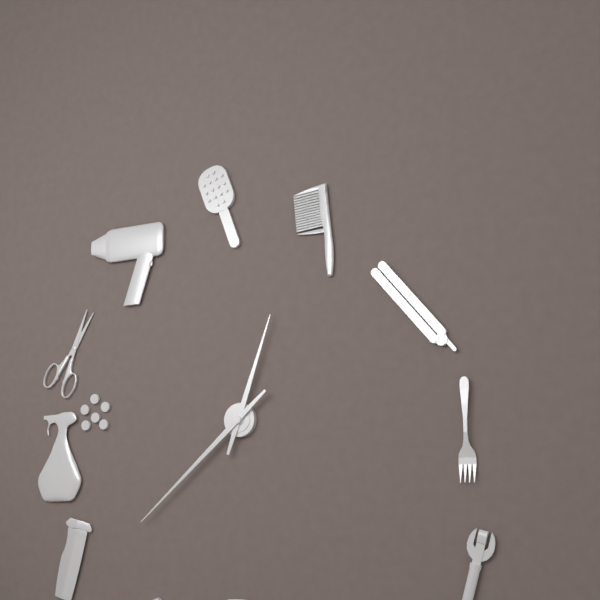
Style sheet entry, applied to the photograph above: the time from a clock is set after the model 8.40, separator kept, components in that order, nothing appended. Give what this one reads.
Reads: 12.38
